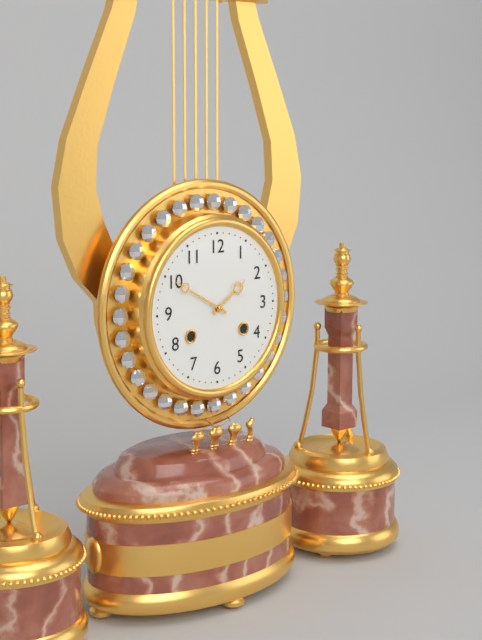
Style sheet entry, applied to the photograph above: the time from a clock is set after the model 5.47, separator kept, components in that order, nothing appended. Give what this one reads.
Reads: 1.50
